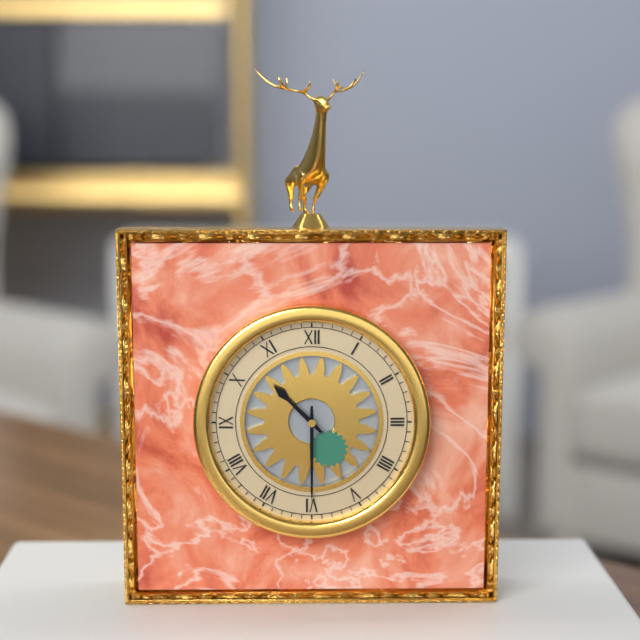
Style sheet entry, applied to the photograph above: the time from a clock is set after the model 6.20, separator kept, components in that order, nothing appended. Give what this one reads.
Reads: 10.30
